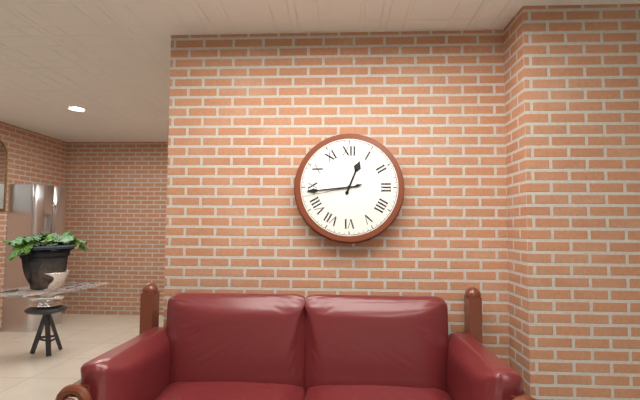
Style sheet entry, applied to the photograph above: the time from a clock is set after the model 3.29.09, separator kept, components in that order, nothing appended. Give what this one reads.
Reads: 12.44.43
